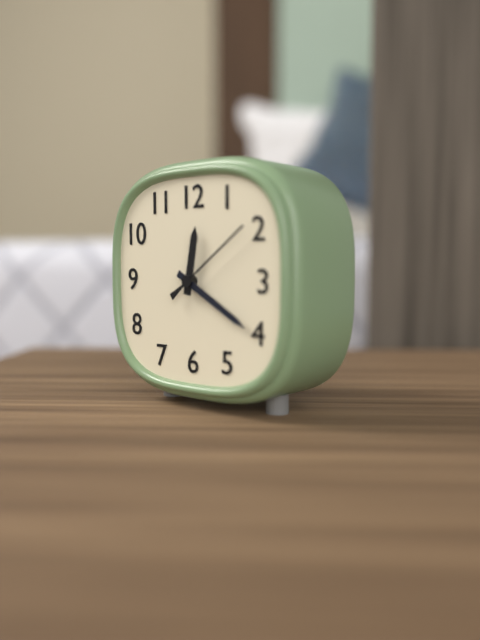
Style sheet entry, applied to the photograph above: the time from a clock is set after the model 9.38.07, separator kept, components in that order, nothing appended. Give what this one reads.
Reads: 12.20.09
